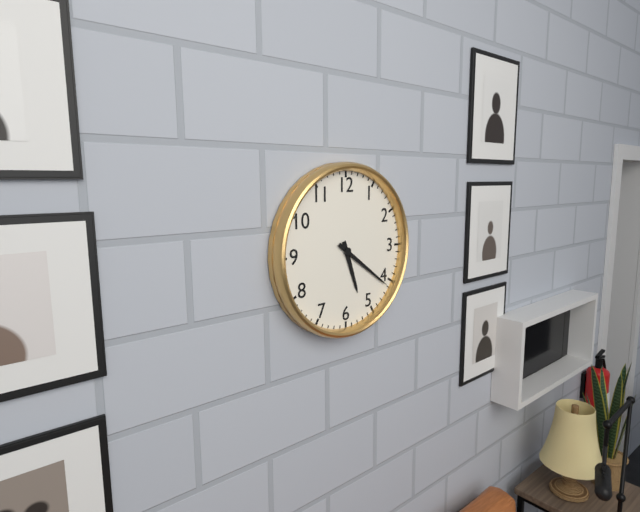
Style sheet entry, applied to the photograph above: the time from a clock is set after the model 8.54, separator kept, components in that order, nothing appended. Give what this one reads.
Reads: 5.21
